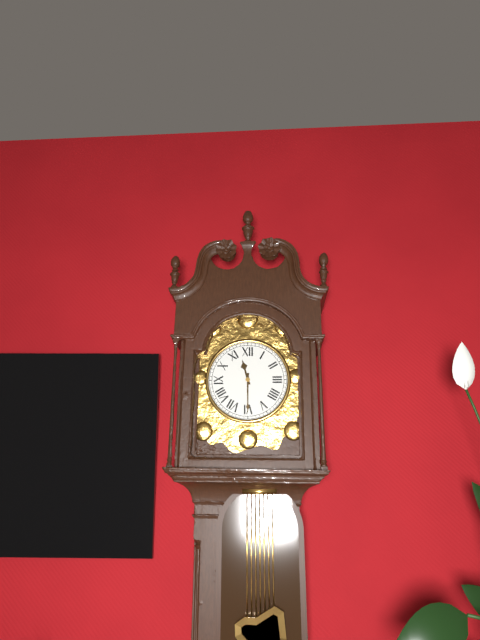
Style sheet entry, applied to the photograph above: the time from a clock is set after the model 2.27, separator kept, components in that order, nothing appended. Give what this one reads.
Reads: 11.30
